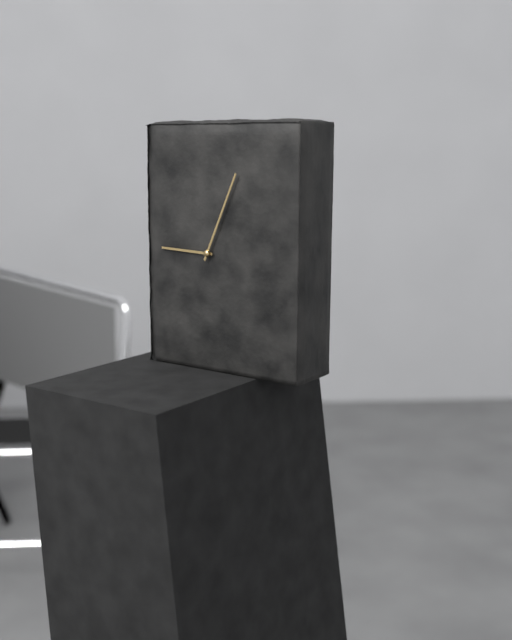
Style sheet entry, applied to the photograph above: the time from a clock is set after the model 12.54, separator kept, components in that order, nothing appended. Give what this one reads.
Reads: 9.04
